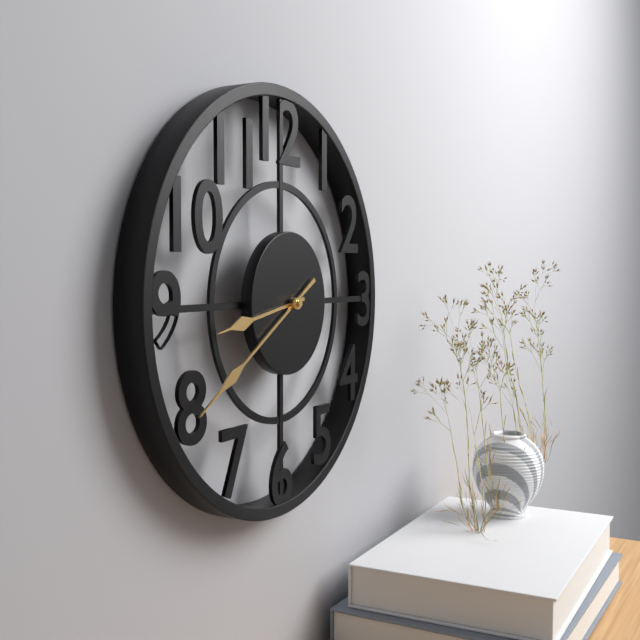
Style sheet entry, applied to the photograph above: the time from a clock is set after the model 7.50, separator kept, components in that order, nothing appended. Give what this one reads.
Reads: 8.40
